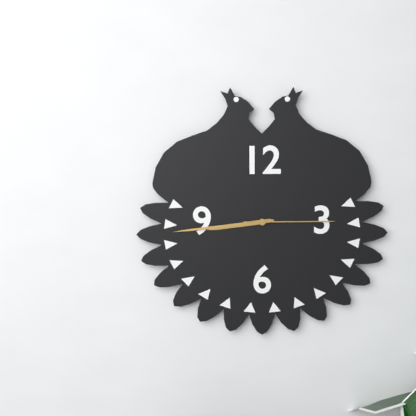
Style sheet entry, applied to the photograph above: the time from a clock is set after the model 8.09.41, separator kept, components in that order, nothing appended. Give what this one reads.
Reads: 8.44.15
